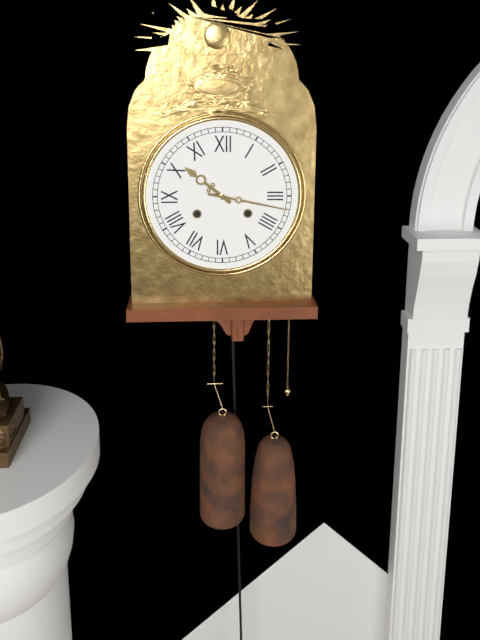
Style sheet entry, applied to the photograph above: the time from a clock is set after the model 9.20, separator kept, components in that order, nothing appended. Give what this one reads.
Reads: 10.17
